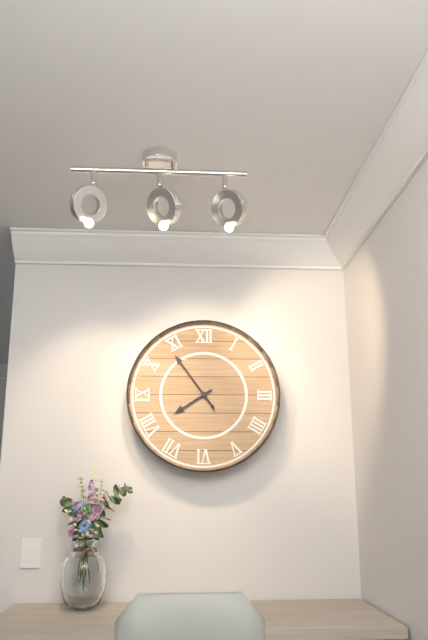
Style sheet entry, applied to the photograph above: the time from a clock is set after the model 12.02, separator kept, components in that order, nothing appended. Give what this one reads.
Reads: 7.54
